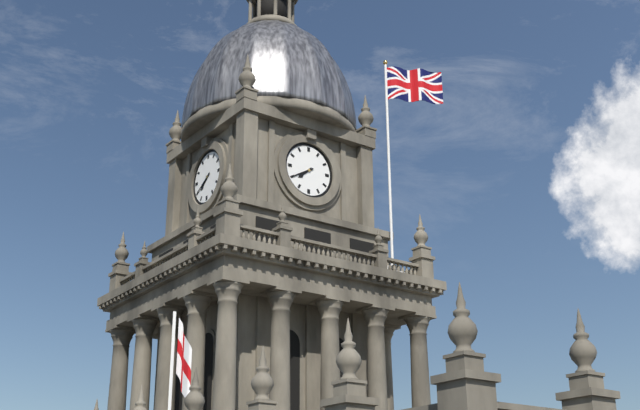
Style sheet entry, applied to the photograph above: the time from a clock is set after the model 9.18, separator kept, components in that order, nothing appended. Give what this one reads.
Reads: 7.40
